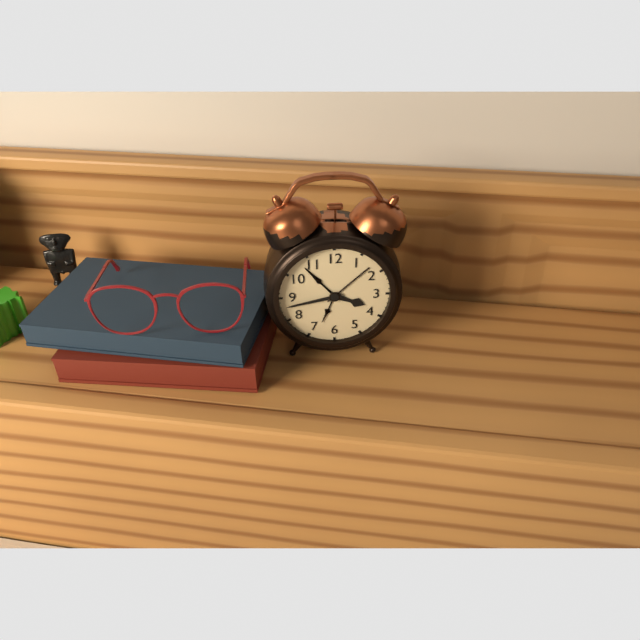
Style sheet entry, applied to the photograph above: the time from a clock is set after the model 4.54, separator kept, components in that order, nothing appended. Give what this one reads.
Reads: 3.43
